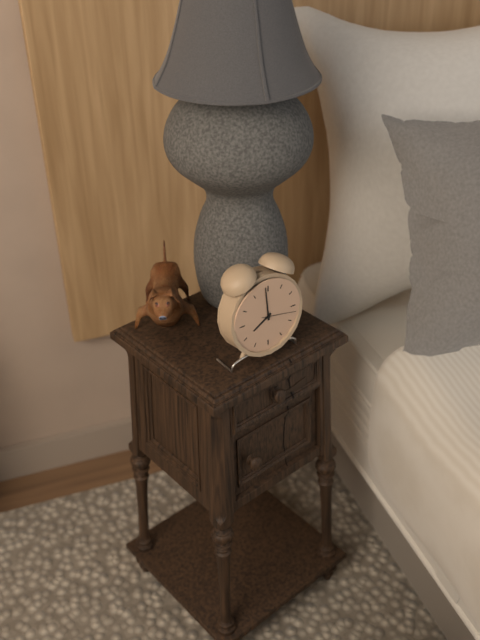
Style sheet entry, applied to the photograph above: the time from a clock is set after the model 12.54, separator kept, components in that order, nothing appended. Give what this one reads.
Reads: 7.59
